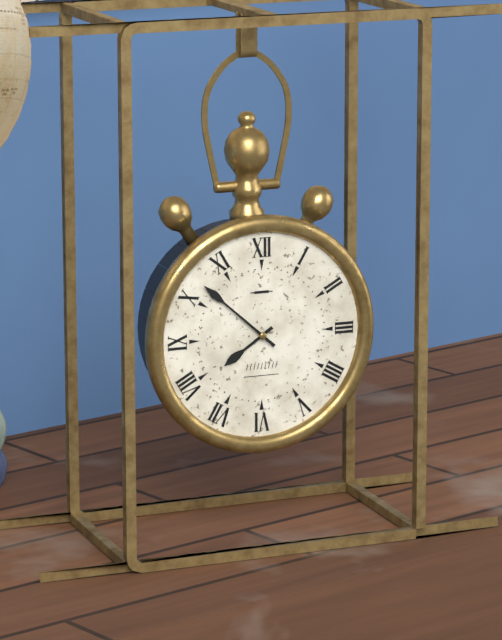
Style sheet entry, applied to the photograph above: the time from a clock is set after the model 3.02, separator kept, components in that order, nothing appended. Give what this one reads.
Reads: 7.52
